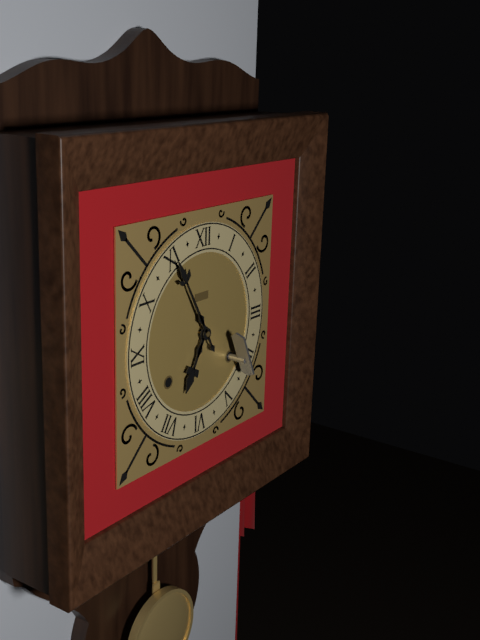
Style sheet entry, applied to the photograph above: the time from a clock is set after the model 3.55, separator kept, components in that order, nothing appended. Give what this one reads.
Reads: 6.55
